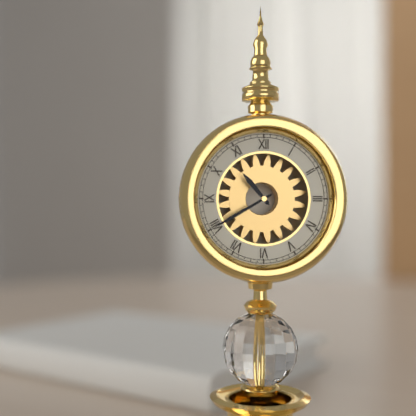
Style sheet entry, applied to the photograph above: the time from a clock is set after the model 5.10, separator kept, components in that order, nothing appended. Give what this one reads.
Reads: 10.40
